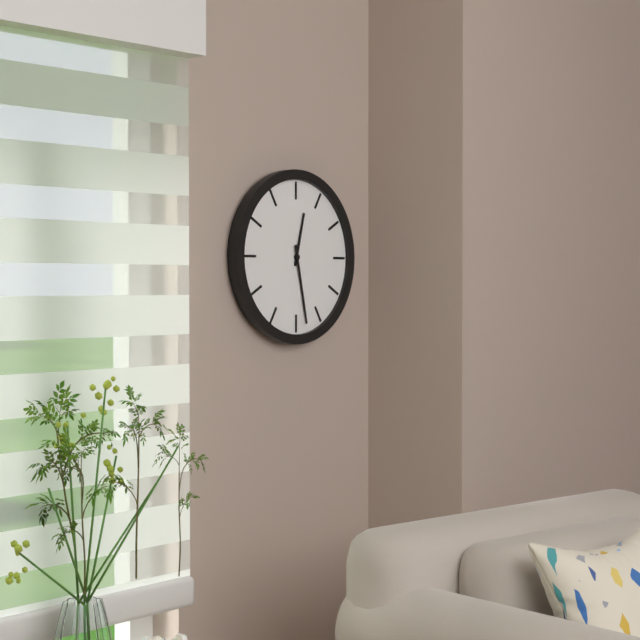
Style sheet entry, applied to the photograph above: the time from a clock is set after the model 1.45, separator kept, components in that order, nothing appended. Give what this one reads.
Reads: 12.28
